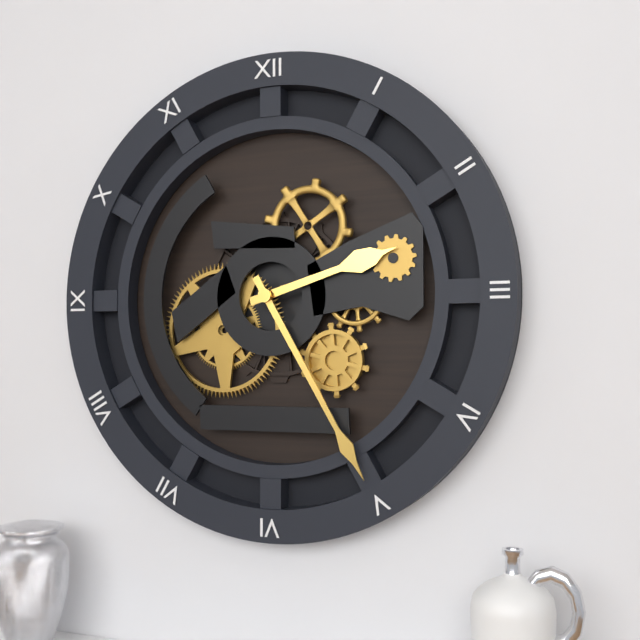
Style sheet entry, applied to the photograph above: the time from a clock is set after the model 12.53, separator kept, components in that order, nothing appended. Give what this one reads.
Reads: 2.25
